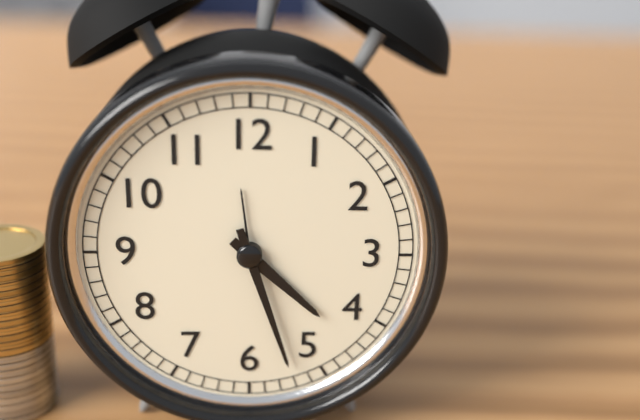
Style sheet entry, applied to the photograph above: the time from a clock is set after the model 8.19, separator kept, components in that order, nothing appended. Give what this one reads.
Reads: 4.27
